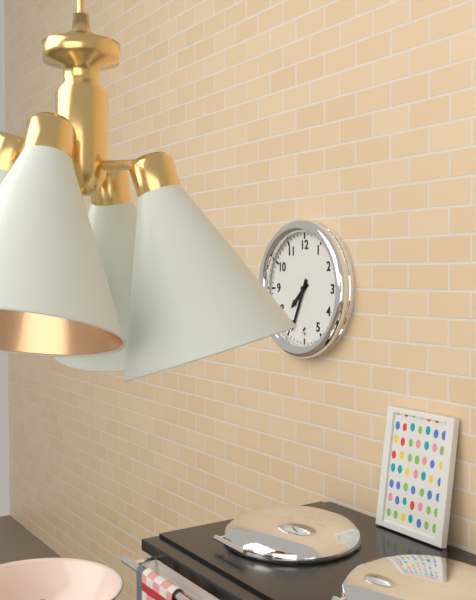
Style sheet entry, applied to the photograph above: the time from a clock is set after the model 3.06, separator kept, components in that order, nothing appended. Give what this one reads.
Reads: 7.34
